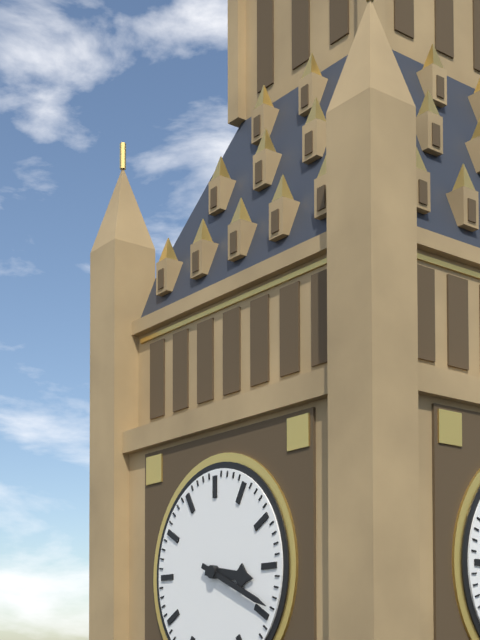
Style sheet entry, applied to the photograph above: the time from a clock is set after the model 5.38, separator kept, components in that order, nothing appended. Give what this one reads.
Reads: 3.19
